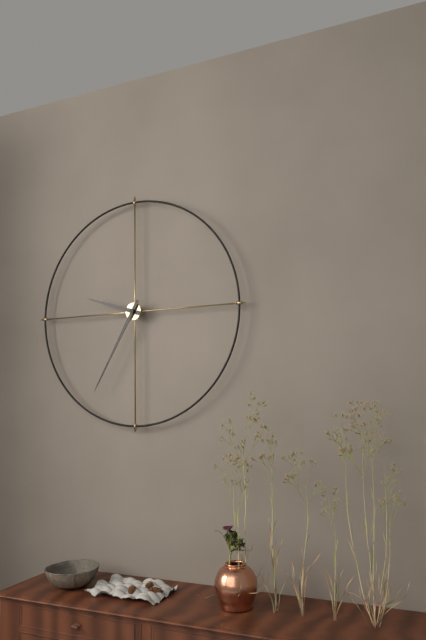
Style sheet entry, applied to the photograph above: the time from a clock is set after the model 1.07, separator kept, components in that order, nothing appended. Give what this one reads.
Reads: 9.35
